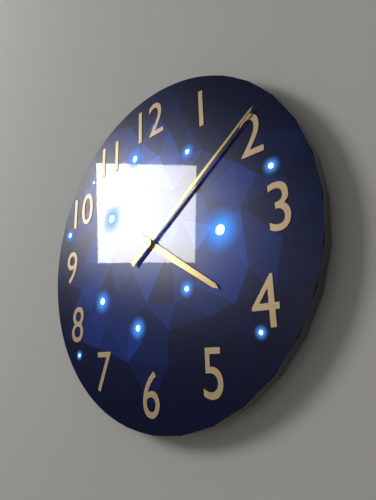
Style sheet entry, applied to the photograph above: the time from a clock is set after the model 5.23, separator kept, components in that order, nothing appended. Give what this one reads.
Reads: 4.09
